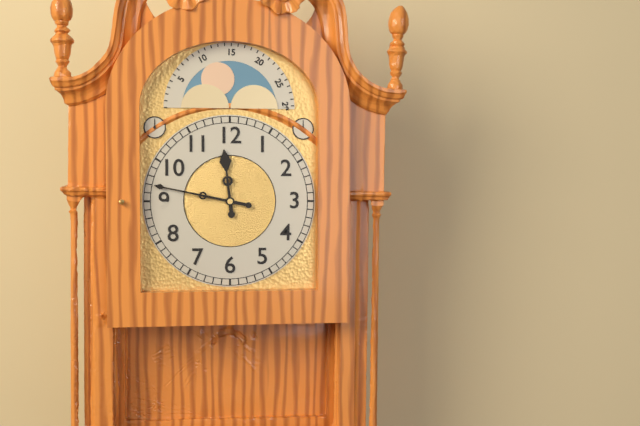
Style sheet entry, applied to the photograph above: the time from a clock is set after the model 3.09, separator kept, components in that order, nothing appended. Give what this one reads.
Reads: 11.47
